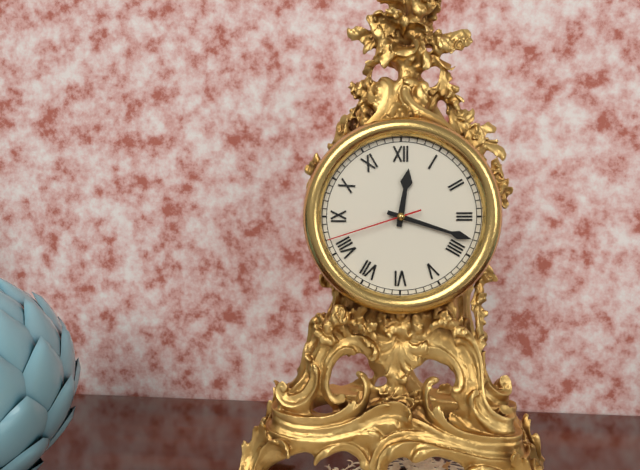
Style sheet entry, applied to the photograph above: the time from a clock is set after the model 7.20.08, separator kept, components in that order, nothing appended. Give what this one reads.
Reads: 12.18.42
